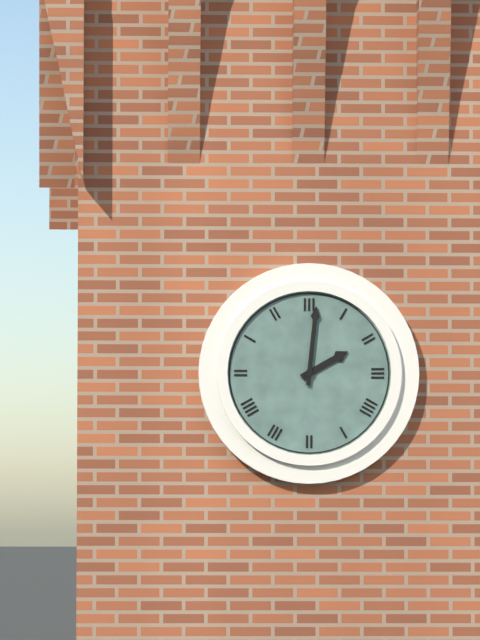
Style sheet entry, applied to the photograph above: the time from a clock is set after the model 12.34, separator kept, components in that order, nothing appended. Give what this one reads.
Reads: 2.01
